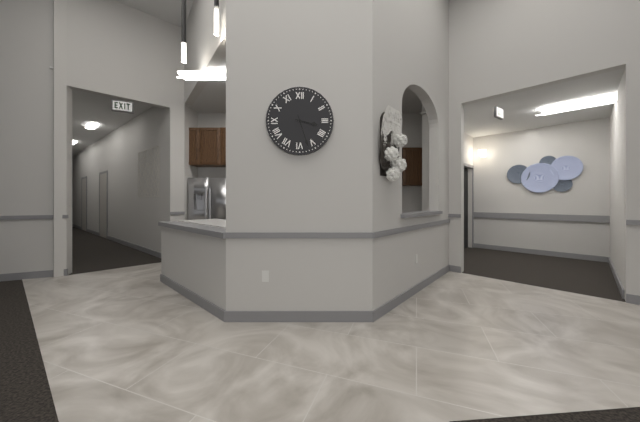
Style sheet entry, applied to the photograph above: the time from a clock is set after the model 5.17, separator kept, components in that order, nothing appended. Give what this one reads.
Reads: 3.27
